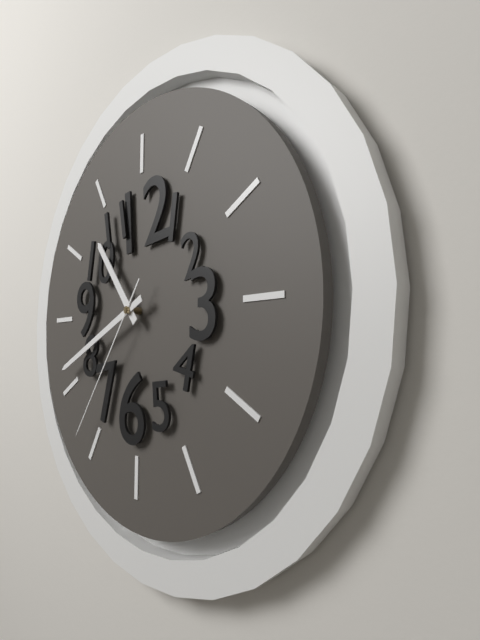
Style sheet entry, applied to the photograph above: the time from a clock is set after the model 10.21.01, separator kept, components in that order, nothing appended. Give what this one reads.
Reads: 10.41.36
